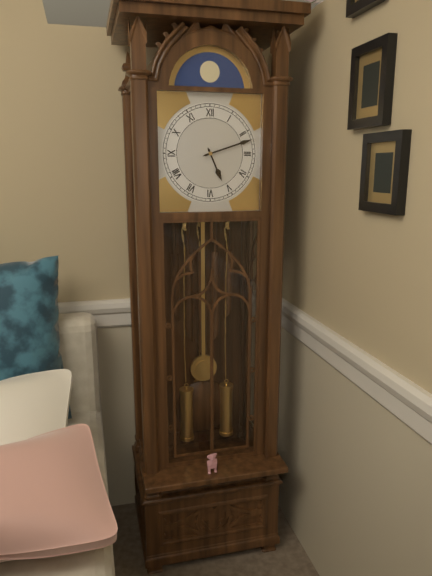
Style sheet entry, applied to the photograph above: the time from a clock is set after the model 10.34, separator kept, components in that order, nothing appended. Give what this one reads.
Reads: 5.12
